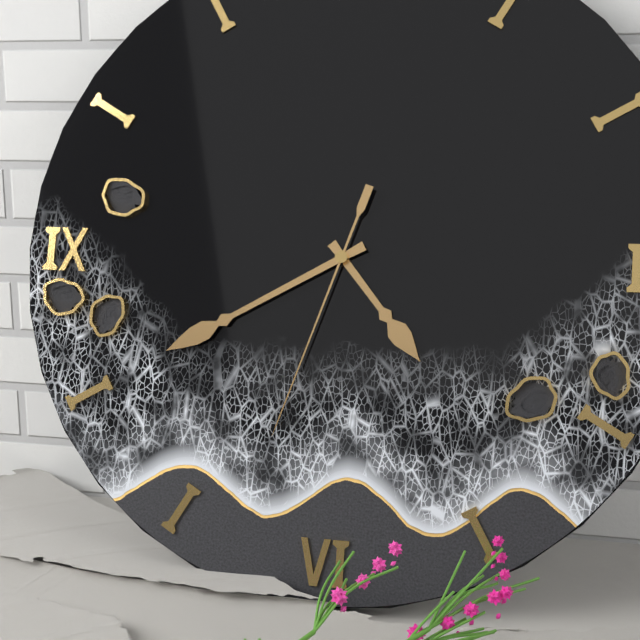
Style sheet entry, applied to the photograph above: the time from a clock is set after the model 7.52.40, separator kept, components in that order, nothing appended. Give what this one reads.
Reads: 4.40.33
